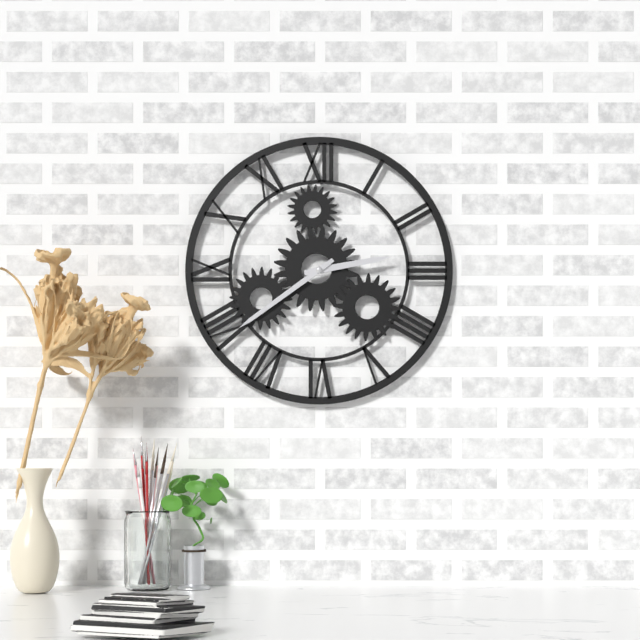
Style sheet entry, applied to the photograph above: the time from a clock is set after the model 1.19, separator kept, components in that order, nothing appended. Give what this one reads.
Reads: 2.39
